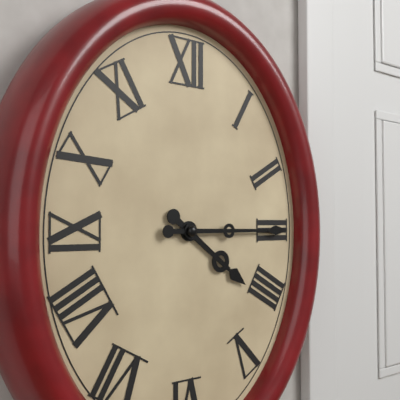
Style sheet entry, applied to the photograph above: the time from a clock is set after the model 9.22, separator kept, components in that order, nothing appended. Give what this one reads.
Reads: 4.15
